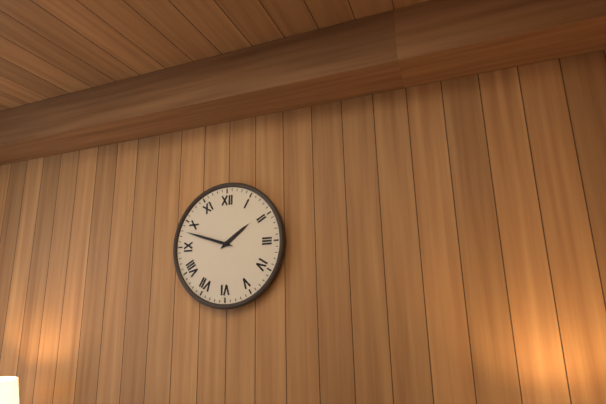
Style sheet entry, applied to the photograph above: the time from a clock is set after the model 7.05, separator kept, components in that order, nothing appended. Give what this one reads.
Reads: 1.48
